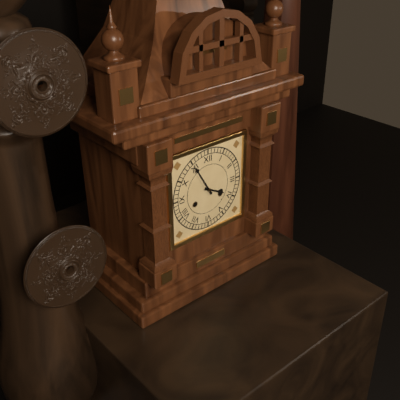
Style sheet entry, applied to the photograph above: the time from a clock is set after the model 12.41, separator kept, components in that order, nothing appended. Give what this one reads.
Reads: 3.55
